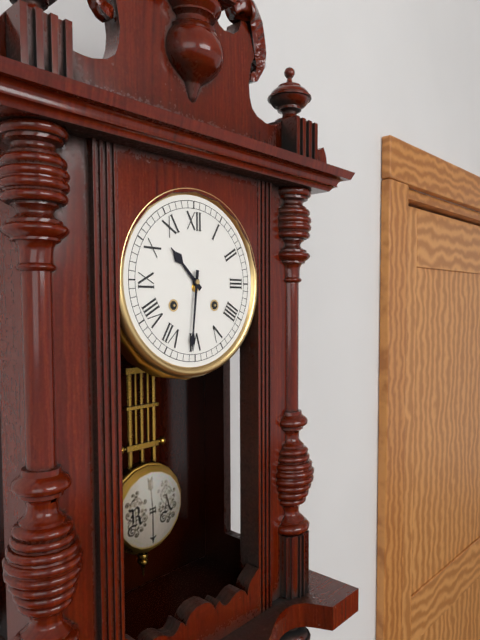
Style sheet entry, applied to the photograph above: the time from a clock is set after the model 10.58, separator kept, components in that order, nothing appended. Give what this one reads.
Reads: 10.31
